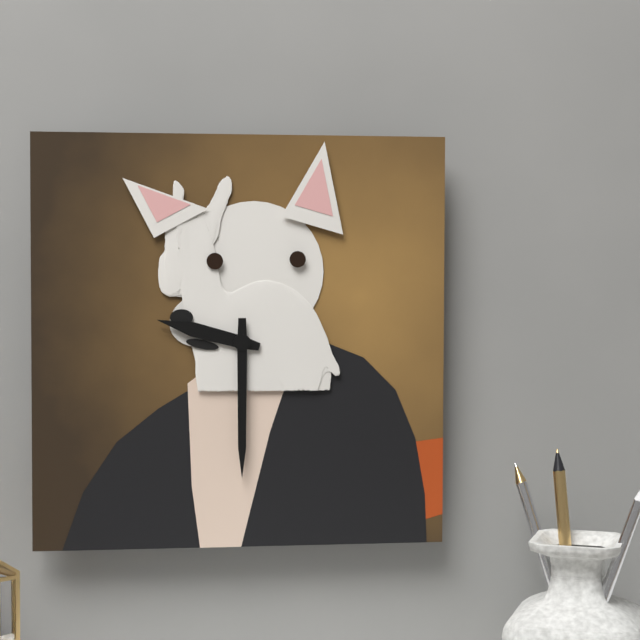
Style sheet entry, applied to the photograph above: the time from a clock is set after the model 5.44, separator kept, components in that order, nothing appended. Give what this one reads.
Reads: 9.30
